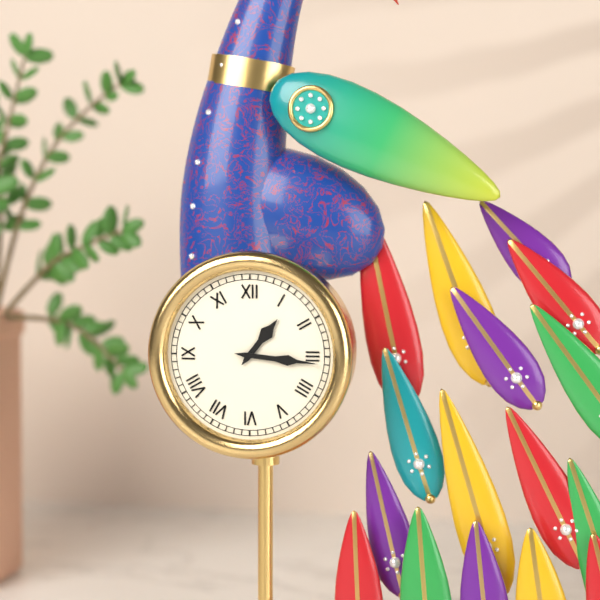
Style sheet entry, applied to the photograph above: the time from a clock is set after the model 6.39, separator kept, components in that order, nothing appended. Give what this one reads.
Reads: 1.16
